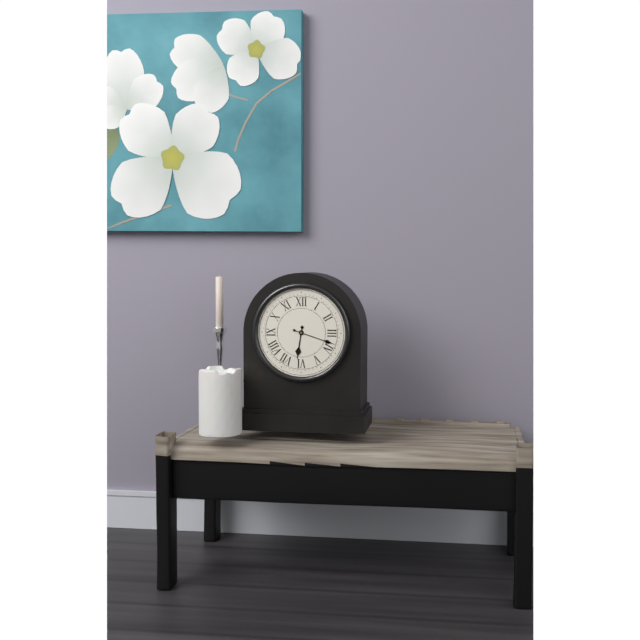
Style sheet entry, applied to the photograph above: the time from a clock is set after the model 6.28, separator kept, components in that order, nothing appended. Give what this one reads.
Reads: 6.18
